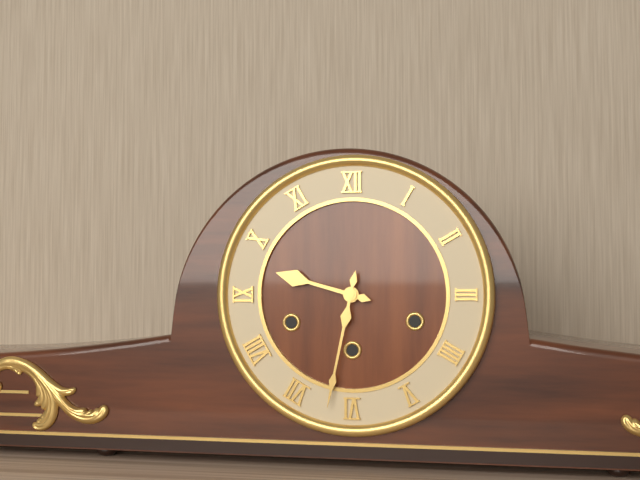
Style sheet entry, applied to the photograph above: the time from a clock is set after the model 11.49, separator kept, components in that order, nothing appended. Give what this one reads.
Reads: 9.32
